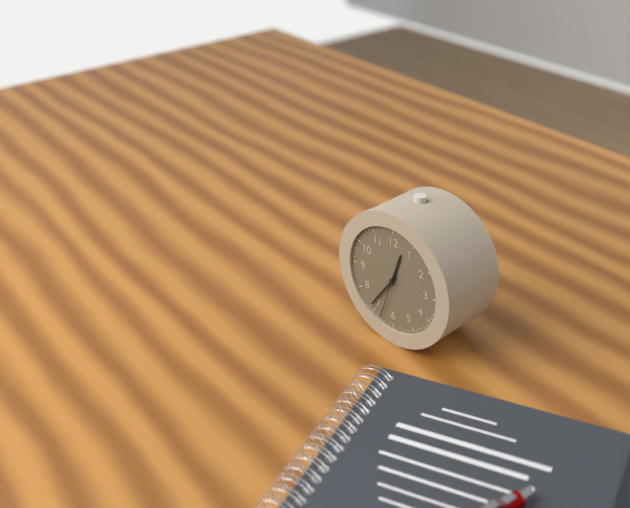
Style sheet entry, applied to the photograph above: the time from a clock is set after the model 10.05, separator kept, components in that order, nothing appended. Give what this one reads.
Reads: 12.36
